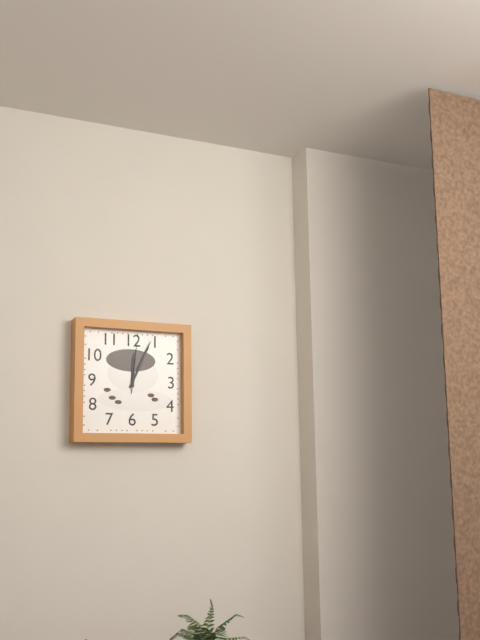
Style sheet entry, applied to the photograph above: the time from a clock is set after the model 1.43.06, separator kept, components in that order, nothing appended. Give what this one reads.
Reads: 12.04.01
